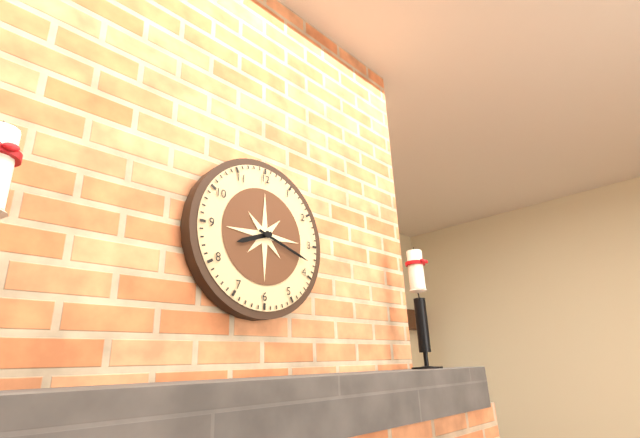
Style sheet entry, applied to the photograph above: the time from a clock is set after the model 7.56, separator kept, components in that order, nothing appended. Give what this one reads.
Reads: 8.18
